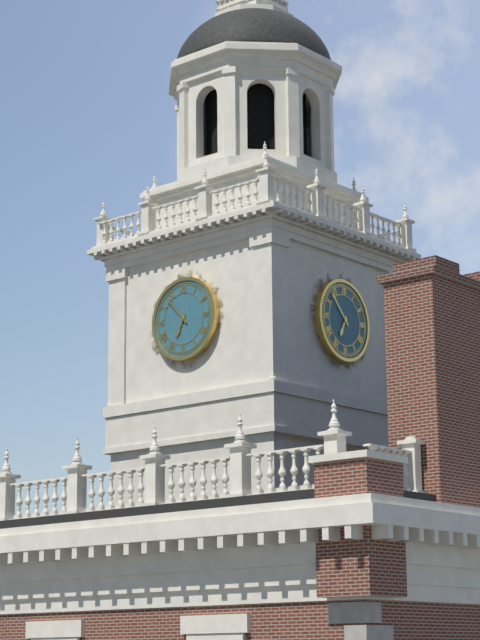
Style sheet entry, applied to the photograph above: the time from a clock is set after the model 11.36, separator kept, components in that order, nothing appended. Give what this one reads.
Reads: 6.53
